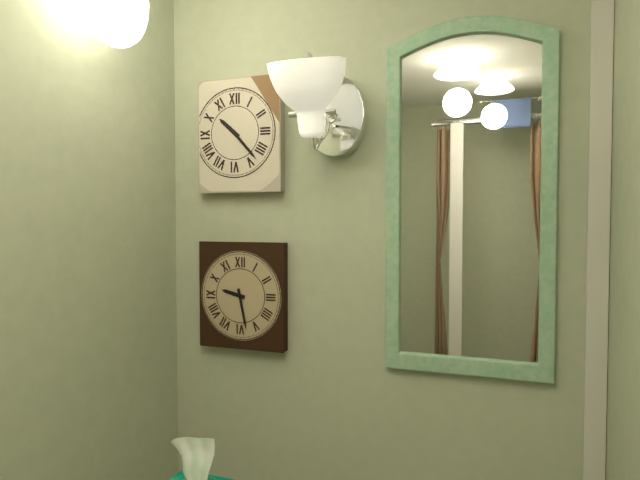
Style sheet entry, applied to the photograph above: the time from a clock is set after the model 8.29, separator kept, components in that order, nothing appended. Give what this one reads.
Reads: 10.23
